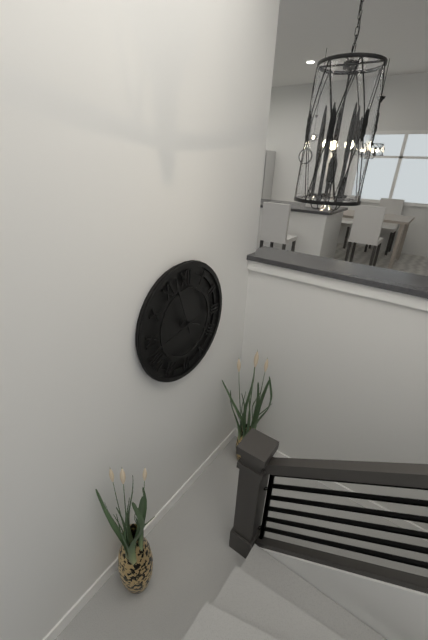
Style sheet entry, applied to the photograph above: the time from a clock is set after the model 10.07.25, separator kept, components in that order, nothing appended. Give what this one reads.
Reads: 3.57.43
